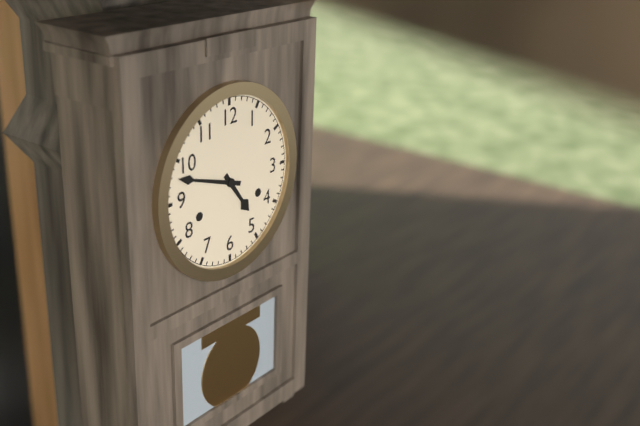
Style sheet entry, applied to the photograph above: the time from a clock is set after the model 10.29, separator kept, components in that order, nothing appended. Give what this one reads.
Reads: 4.48
